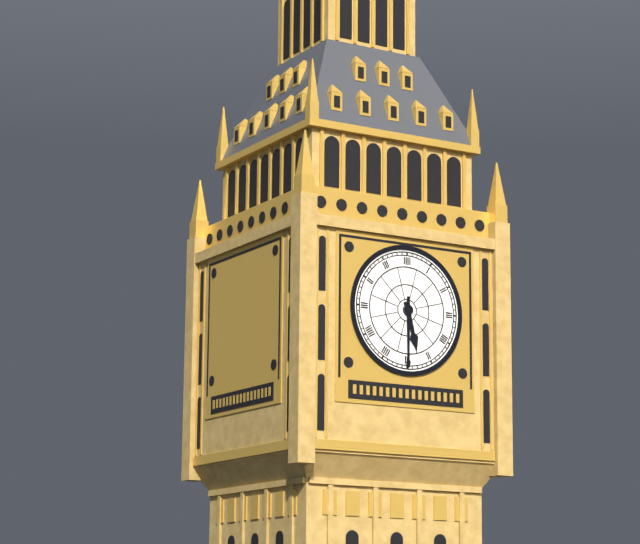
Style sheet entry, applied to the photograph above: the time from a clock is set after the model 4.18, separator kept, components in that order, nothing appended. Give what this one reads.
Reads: 5.30
